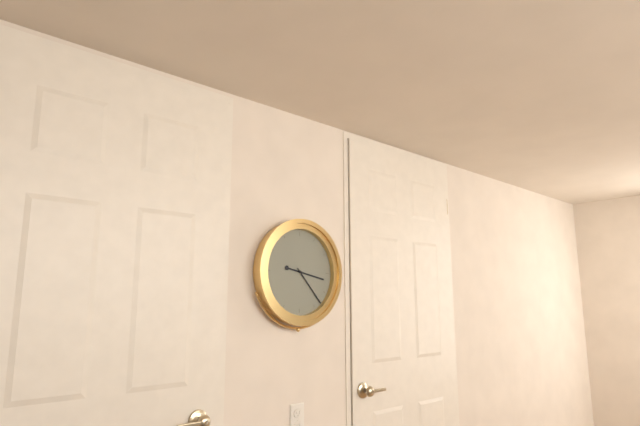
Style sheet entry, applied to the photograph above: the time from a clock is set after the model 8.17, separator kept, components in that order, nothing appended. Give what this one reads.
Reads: 3.23
